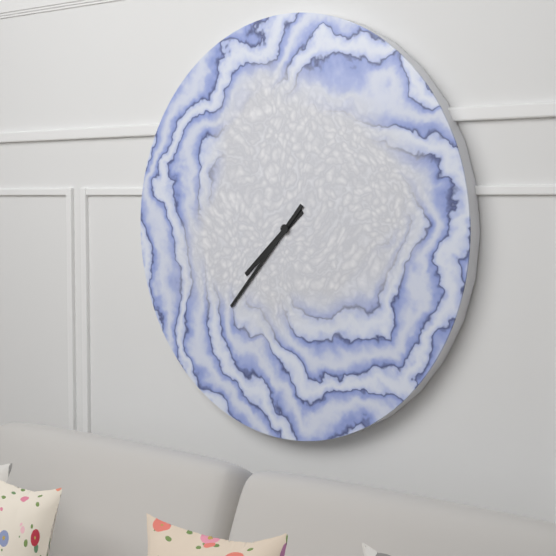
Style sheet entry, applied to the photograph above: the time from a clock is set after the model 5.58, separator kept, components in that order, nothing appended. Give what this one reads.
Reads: 7.37
